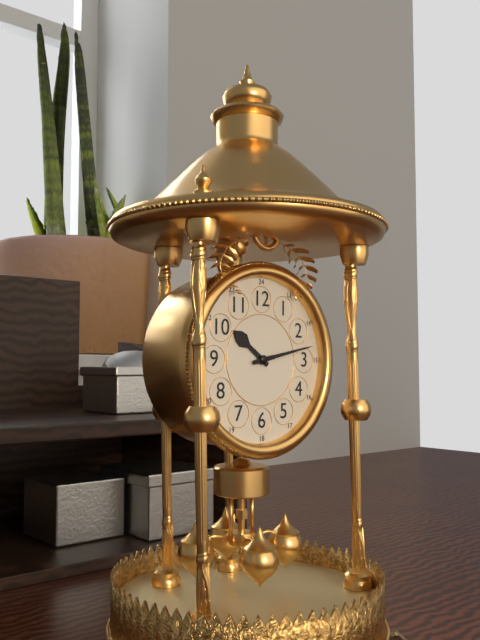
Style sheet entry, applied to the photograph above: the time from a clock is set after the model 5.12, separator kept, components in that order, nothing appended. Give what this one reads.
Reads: 10.13
